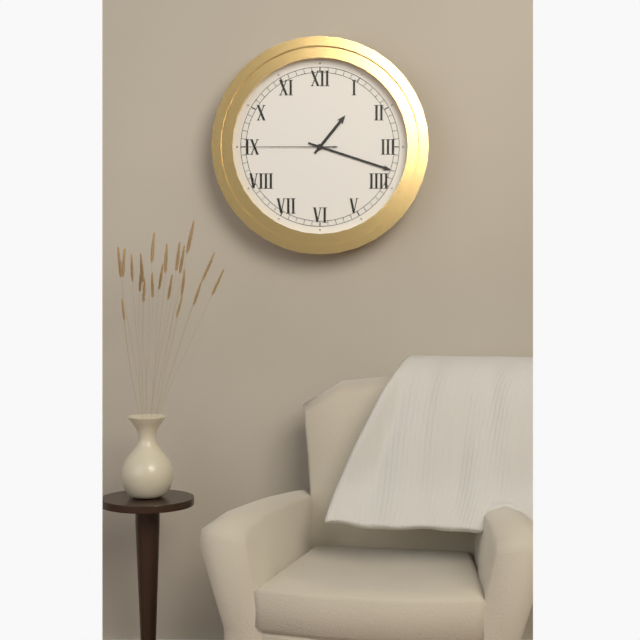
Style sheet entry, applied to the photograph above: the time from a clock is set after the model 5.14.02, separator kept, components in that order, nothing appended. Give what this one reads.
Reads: 1.18.45
